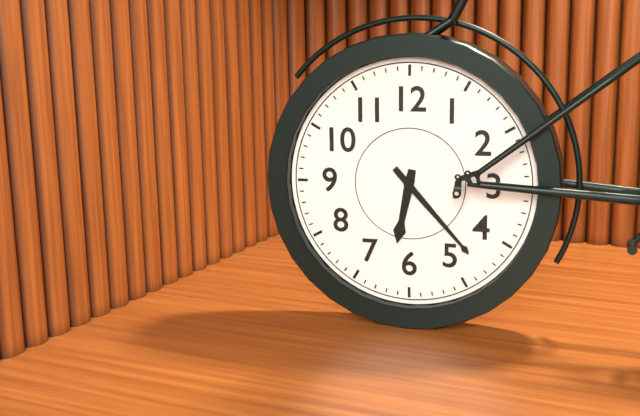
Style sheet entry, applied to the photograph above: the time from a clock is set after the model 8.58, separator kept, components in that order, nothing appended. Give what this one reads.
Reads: 6.23
